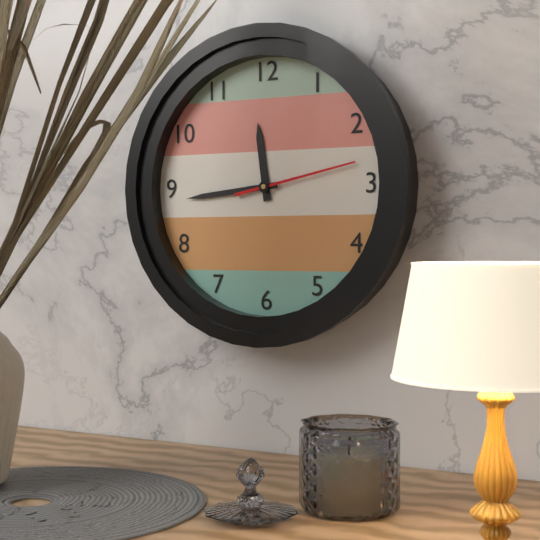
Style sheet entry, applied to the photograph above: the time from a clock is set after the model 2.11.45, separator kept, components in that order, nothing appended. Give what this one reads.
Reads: 11.44.13
